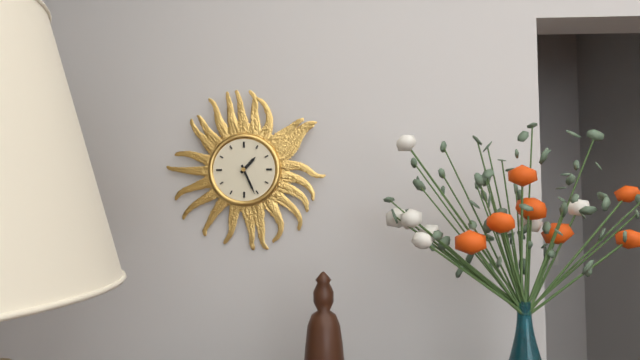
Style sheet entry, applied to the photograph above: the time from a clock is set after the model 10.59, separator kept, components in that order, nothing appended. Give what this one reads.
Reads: 1.26
